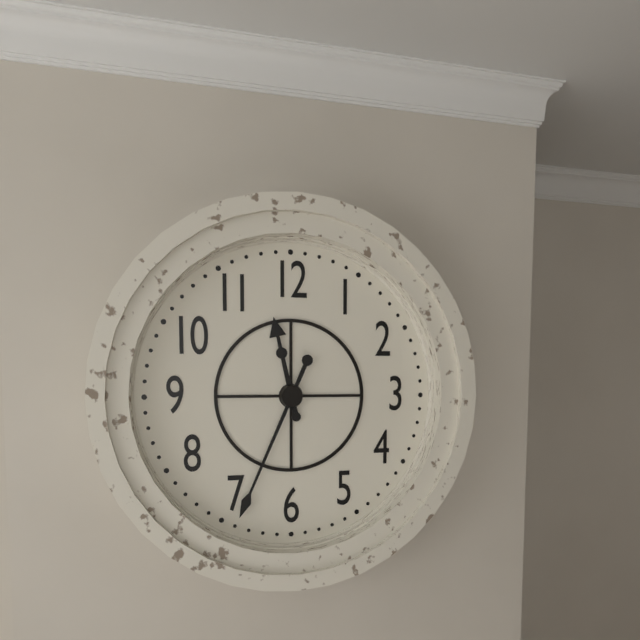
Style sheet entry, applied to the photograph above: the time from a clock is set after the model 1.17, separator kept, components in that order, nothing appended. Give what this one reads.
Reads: 11.34
